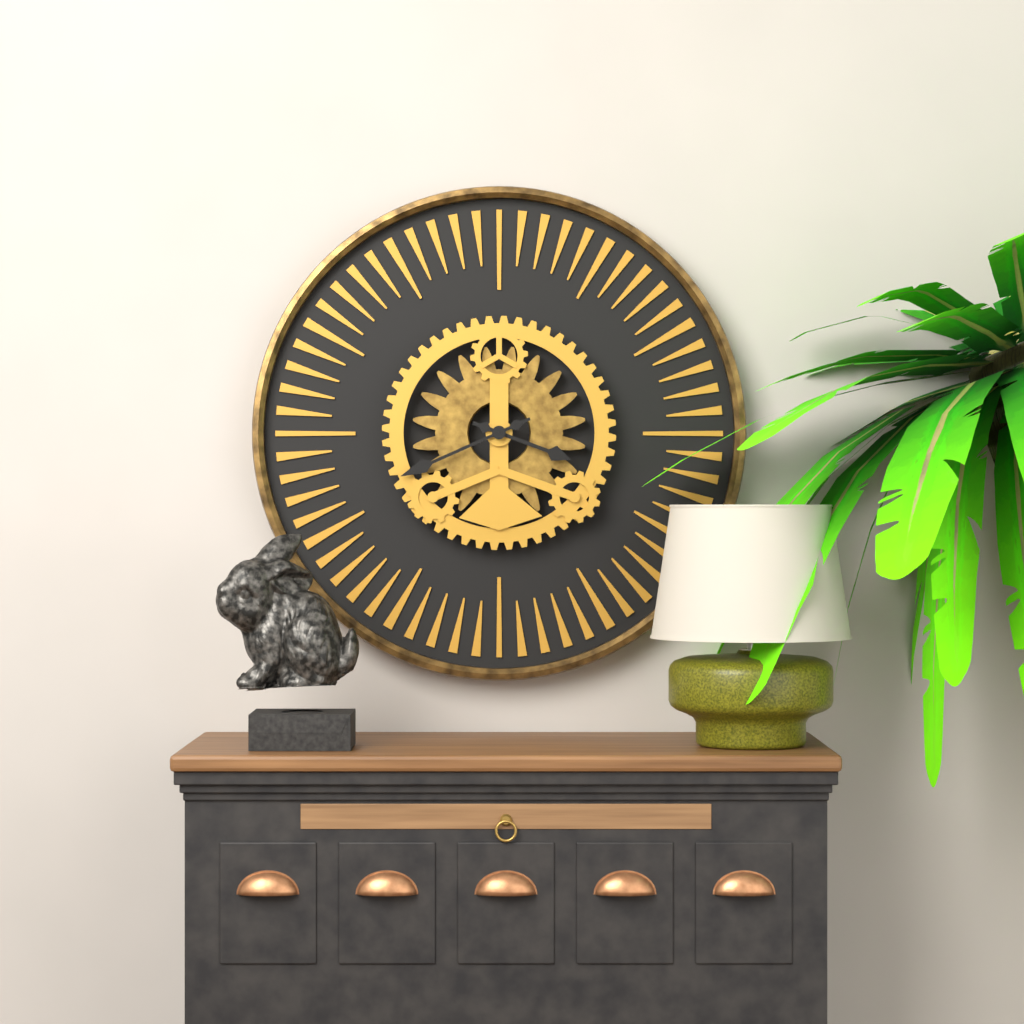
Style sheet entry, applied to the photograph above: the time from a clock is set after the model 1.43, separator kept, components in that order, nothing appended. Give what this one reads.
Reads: 3.41
